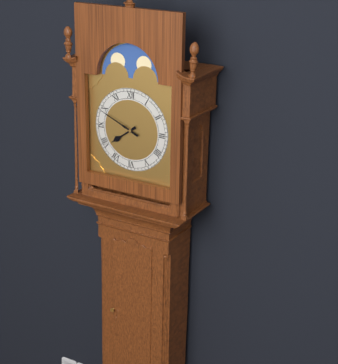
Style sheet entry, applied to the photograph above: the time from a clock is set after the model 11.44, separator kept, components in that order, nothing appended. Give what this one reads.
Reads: 7.49
